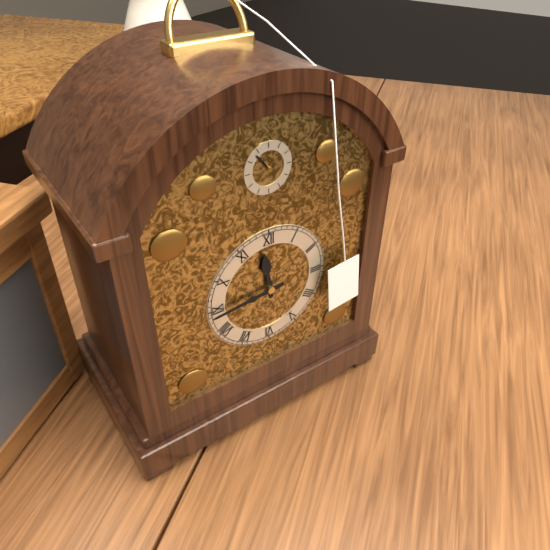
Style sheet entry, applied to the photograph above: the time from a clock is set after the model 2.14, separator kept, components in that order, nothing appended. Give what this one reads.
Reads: 11.44
